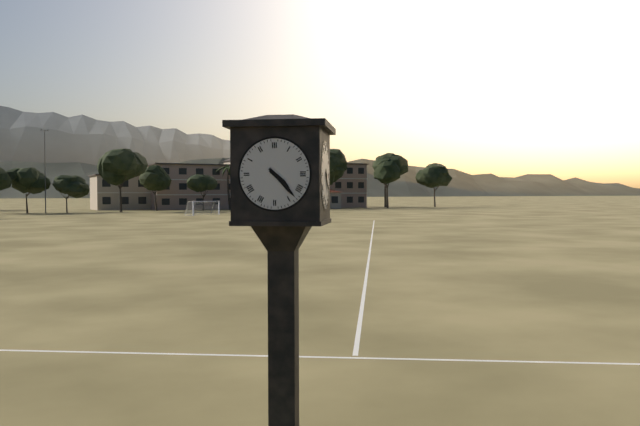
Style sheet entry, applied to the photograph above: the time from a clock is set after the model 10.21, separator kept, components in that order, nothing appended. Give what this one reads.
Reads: 4.23
